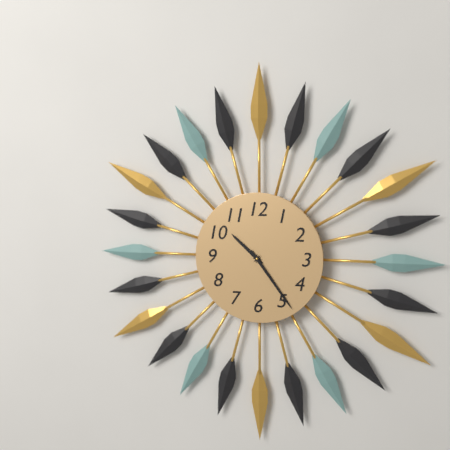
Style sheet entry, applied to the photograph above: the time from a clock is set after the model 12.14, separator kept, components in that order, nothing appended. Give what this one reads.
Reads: 10.24
